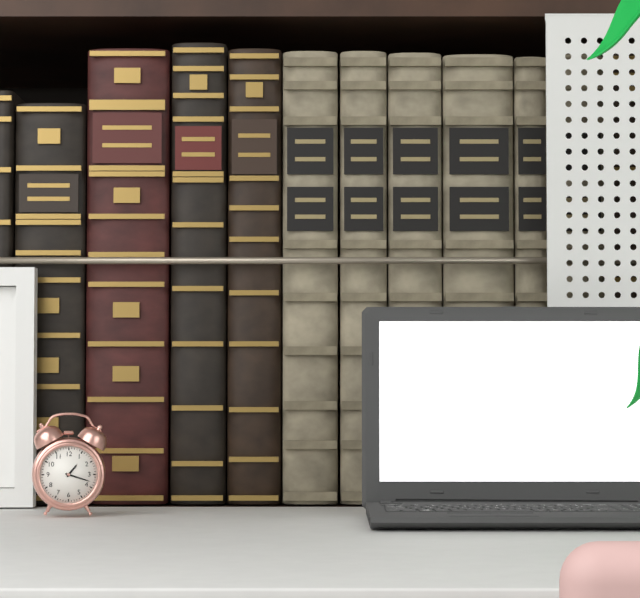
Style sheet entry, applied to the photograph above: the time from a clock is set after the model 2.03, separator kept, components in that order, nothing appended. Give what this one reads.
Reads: 1.18
